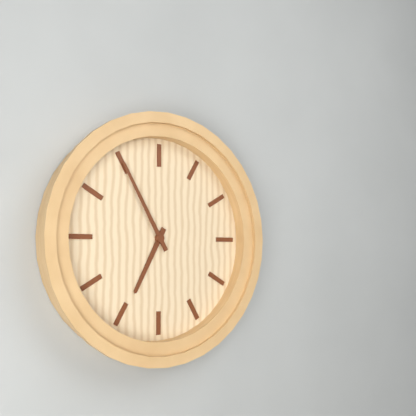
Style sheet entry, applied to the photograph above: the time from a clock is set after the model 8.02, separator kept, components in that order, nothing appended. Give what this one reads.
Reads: 6.55
